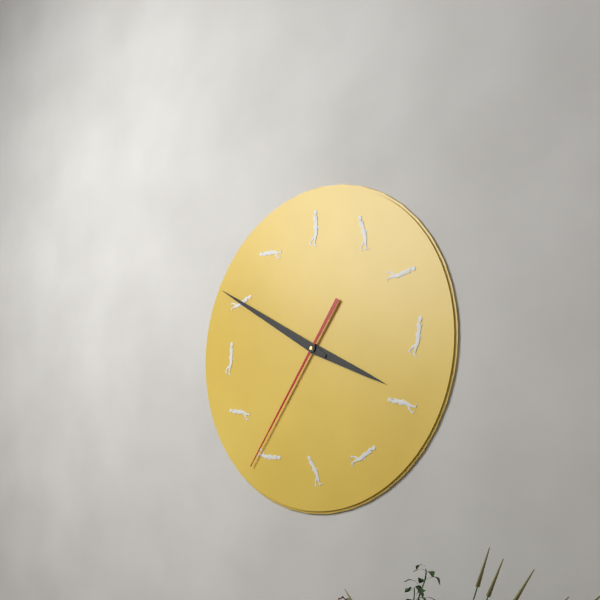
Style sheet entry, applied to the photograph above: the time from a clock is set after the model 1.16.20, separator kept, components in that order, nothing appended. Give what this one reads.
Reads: 3.50.36
